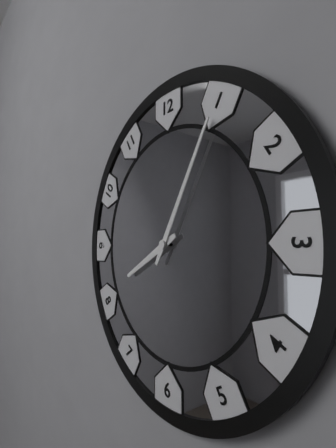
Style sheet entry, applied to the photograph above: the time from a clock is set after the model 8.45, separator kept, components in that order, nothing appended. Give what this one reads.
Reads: 8.05
